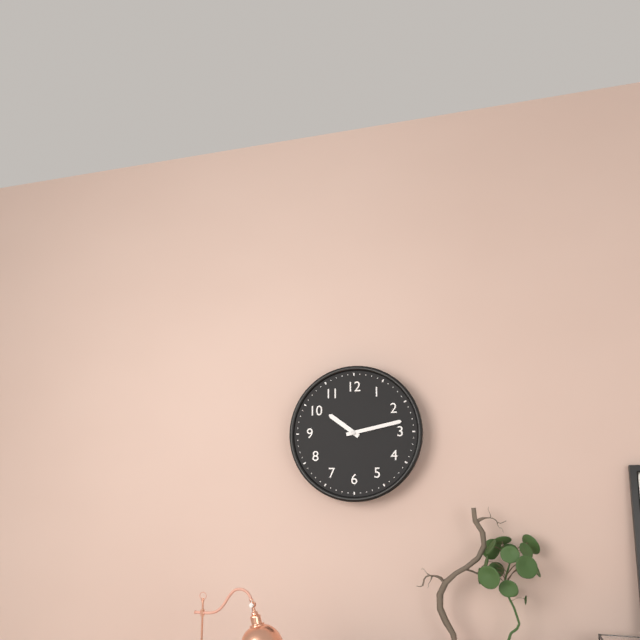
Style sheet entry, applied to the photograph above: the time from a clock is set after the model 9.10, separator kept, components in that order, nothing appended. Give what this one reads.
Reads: 10.13
